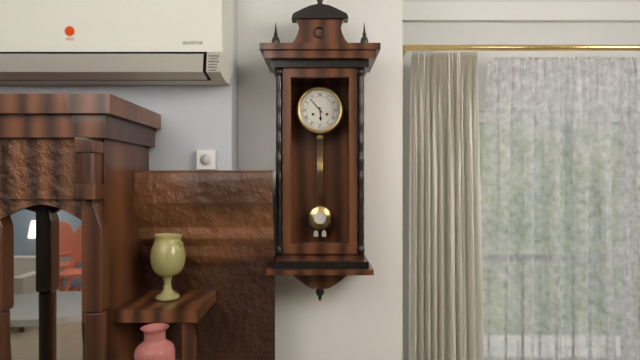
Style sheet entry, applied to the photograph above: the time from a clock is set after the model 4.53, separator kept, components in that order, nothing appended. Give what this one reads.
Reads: 5.53
